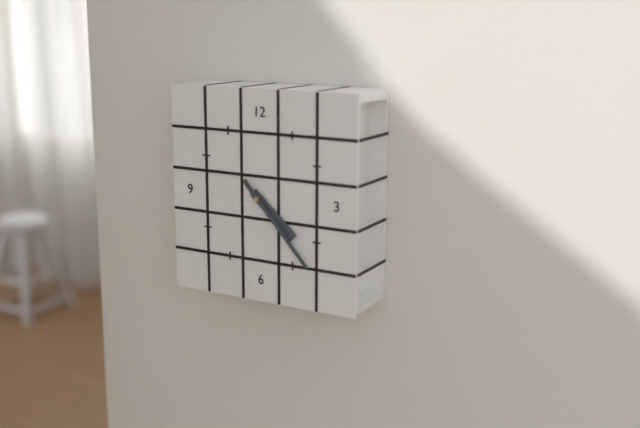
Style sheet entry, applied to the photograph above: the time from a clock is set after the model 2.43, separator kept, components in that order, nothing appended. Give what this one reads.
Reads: 4.23
